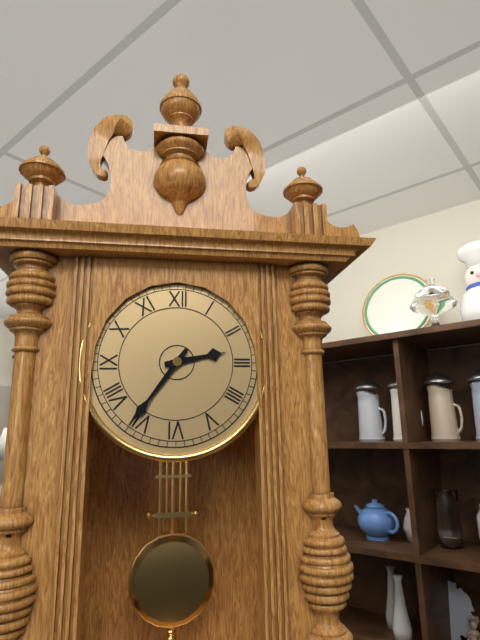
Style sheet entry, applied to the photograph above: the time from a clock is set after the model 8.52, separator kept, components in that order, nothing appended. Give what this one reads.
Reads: 2.36
